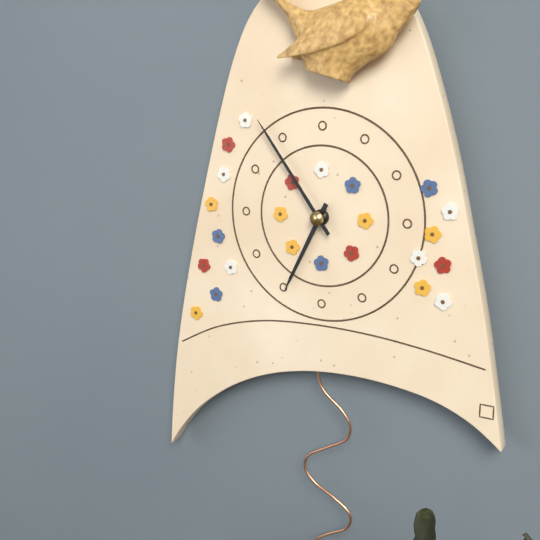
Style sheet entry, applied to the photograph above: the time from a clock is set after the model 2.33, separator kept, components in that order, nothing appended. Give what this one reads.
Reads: 6.54
